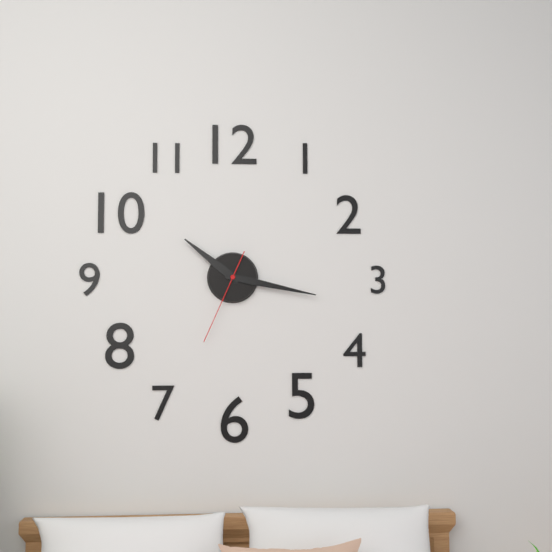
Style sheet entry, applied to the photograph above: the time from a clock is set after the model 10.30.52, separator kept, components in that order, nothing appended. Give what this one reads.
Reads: 10.17.34
